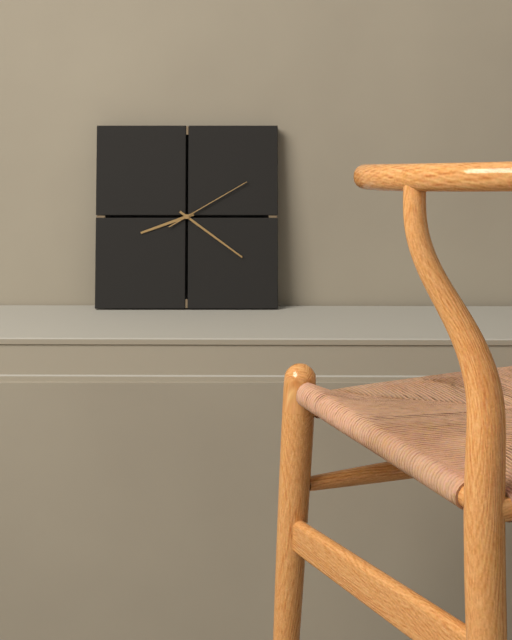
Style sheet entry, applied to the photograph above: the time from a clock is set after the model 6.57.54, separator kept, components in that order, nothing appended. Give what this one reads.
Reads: 8.21.10
